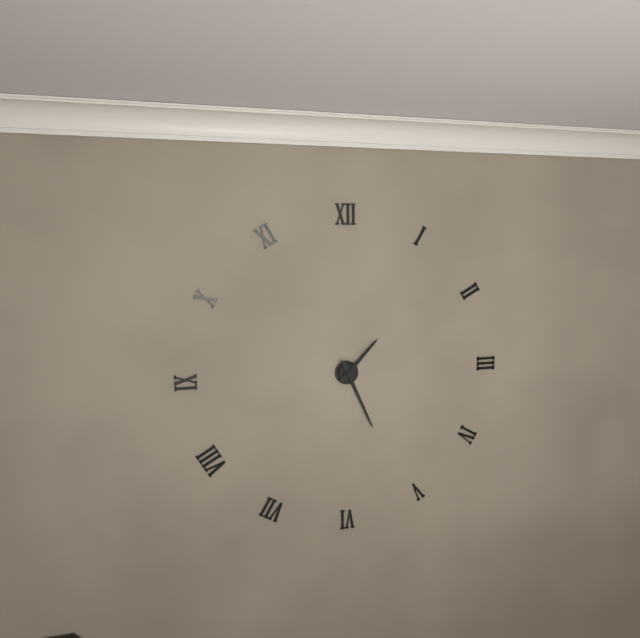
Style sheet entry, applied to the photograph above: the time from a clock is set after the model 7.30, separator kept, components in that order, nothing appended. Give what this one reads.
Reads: 1.26
